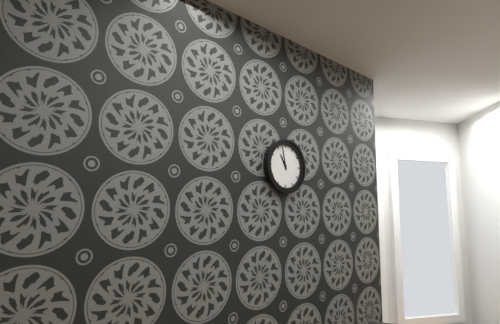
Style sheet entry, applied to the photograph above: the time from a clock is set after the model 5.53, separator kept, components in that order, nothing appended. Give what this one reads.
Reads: 10.58
